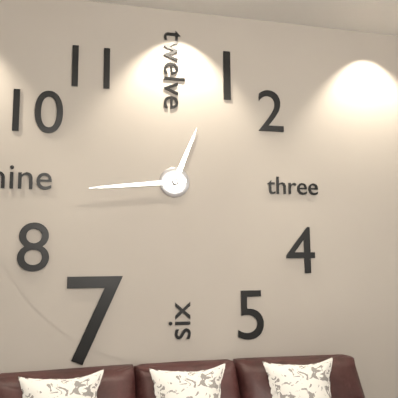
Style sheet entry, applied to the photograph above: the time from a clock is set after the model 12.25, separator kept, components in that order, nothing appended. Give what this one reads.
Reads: 12.44
